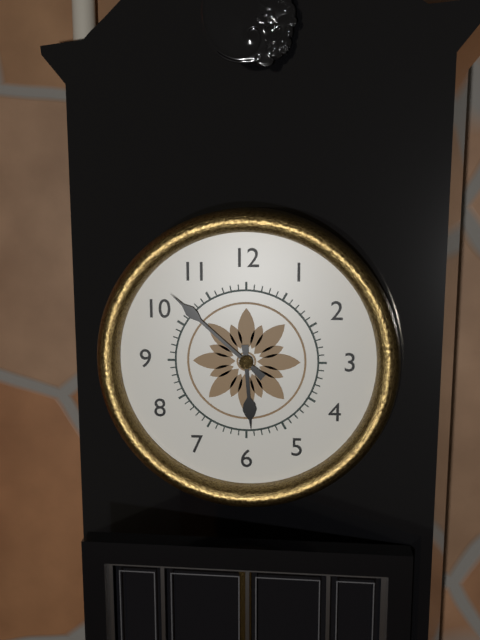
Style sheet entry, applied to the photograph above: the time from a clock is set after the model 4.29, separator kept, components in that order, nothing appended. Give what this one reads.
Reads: 5.52
